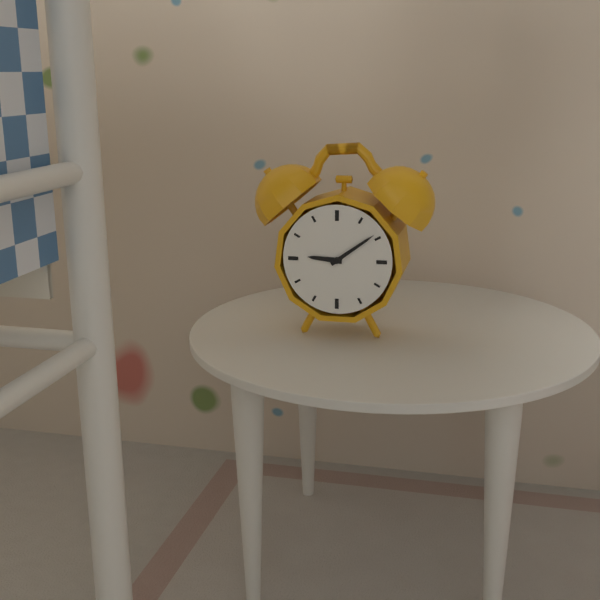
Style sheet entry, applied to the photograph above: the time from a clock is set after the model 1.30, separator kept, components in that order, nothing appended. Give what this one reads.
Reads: 9.09
